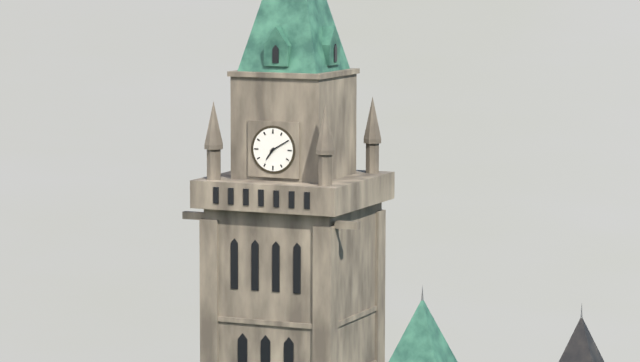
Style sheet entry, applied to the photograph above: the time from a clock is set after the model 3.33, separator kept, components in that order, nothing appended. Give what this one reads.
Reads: 7.10
